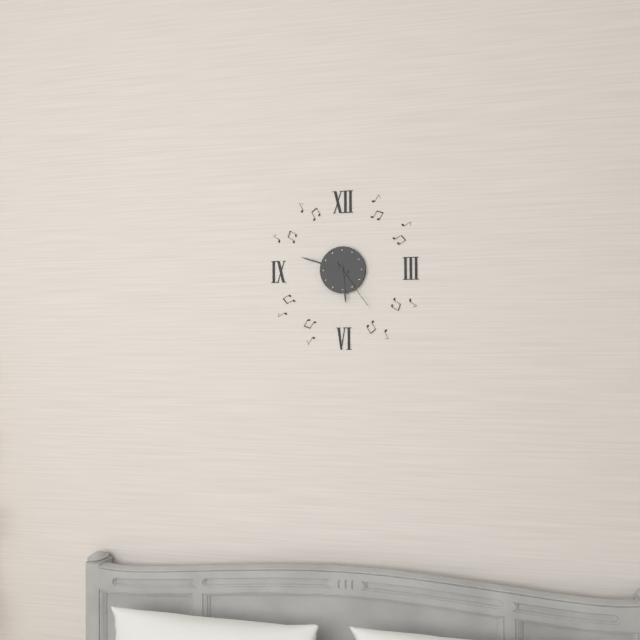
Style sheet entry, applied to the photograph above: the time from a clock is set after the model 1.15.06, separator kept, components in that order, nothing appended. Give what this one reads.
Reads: 5.48.24
